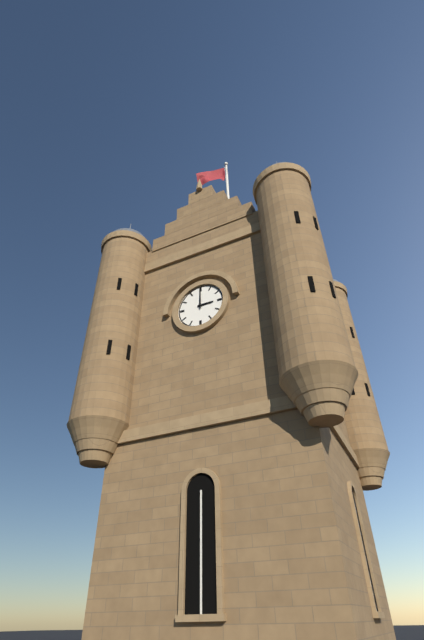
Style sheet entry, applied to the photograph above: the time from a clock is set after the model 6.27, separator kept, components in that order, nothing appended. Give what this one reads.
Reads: 3.00
